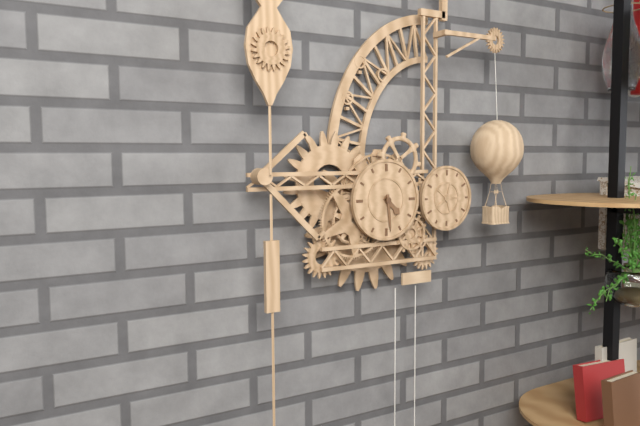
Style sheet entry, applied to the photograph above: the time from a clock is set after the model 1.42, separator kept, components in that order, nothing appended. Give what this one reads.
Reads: 4.29
